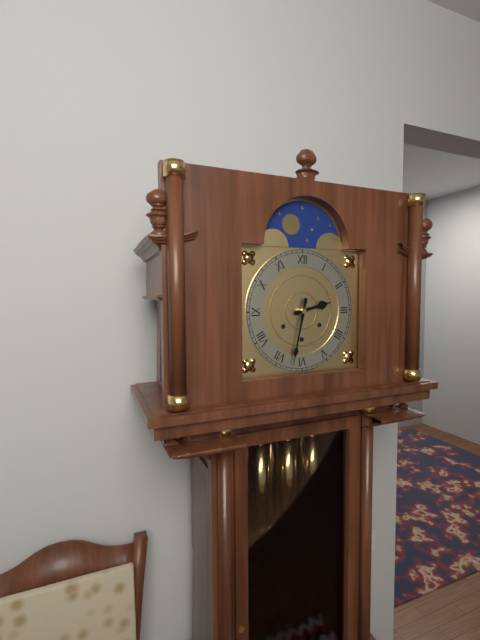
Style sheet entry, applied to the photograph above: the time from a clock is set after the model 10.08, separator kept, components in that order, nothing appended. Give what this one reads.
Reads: 2.32
